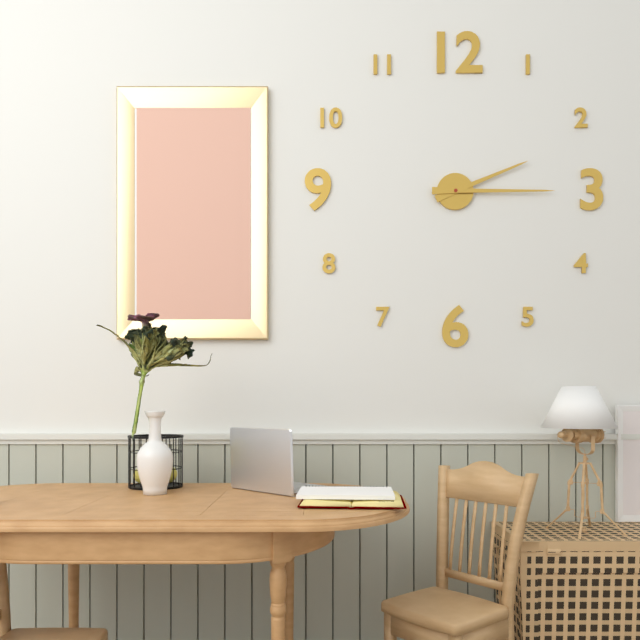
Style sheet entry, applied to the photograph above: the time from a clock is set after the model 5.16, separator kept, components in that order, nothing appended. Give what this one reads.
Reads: 2.15
